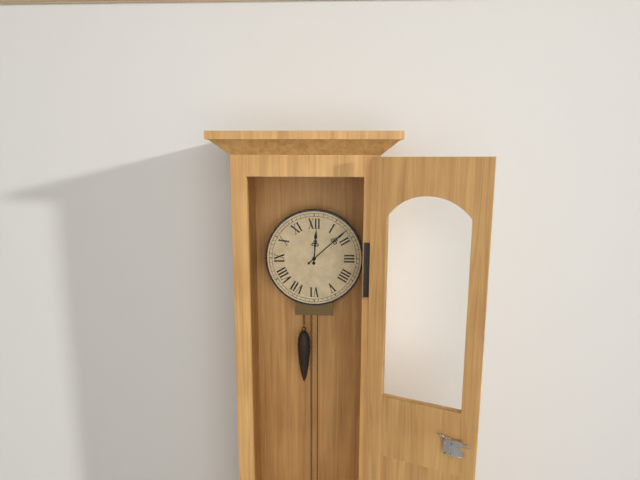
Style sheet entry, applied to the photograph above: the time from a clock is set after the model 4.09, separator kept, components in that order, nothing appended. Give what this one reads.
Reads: 12.08
